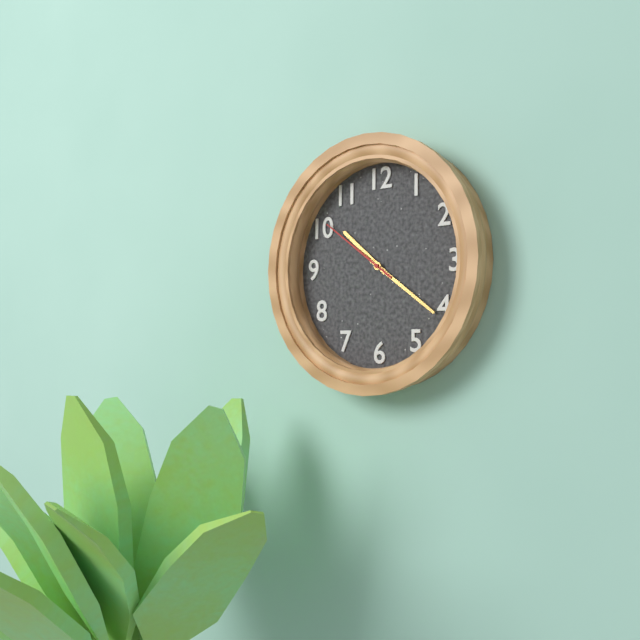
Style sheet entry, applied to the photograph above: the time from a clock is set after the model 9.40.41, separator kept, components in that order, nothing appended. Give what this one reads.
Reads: 10.21.51
